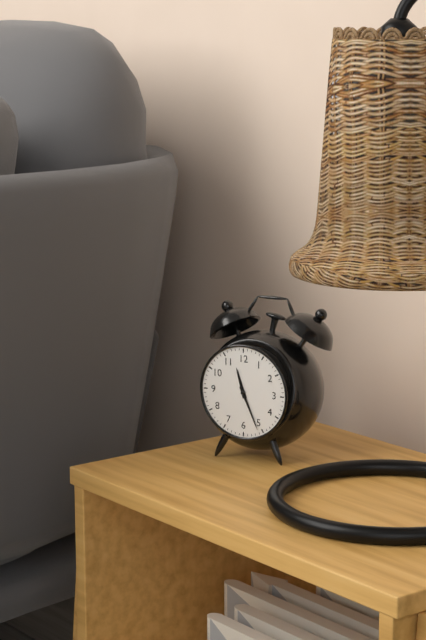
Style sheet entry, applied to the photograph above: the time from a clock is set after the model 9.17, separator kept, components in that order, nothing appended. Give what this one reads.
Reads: 11.26
